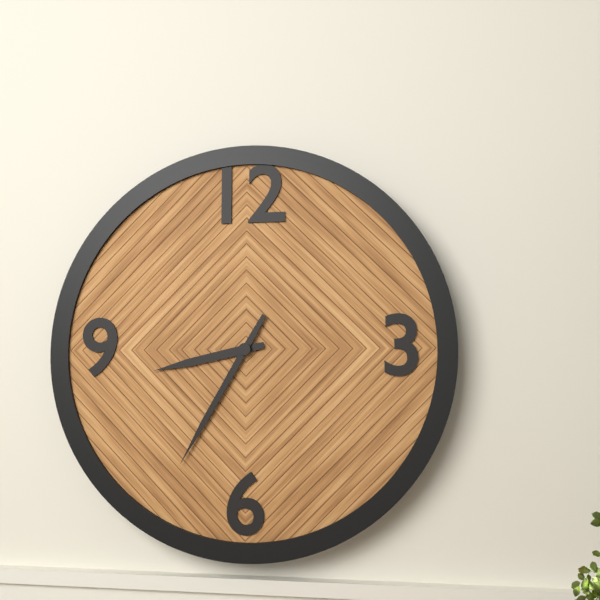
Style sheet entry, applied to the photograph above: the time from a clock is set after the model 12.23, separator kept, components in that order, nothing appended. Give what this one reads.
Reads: 8.35
